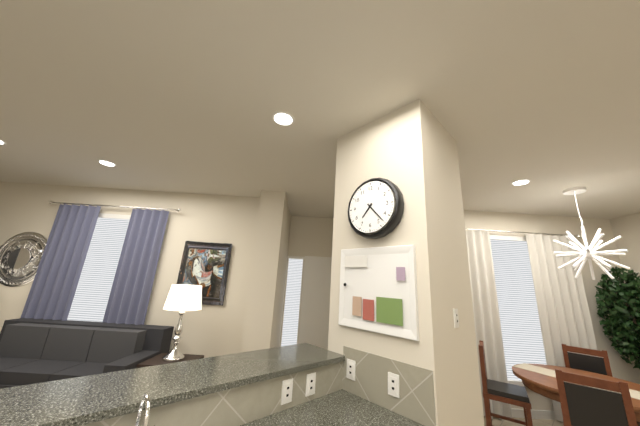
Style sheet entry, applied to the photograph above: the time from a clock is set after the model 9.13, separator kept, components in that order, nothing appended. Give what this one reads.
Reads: 7.23
